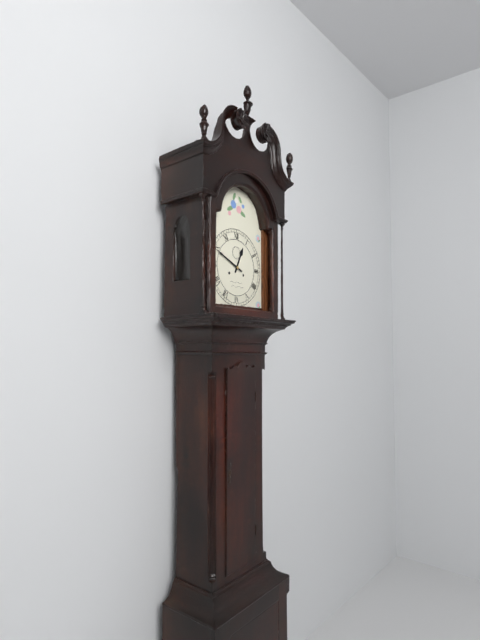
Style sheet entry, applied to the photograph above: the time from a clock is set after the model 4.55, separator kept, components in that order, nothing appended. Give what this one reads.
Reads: 12.49
